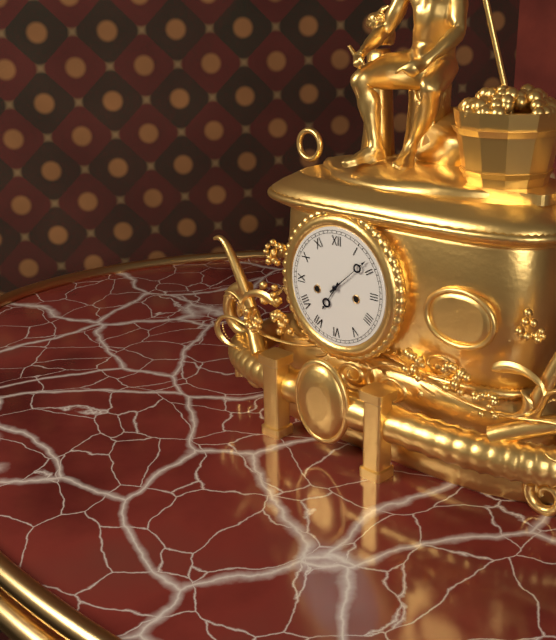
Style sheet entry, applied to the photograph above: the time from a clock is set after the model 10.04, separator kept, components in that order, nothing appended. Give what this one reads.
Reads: 7.08
